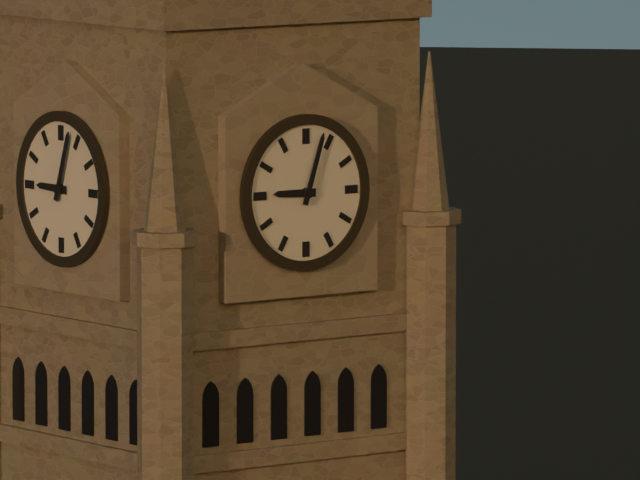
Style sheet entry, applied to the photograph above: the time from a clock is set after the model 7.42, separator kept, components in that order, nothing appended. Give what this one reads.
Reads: 9.03
